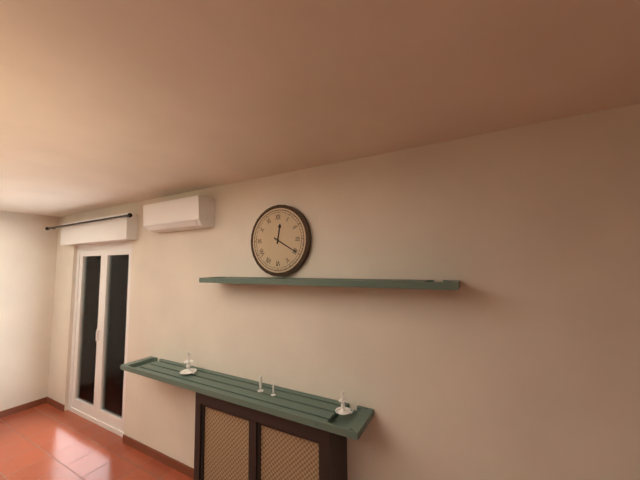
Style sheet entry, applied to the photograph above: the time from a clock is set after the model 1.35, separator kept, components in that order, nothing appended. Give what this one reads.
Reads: 12.20
